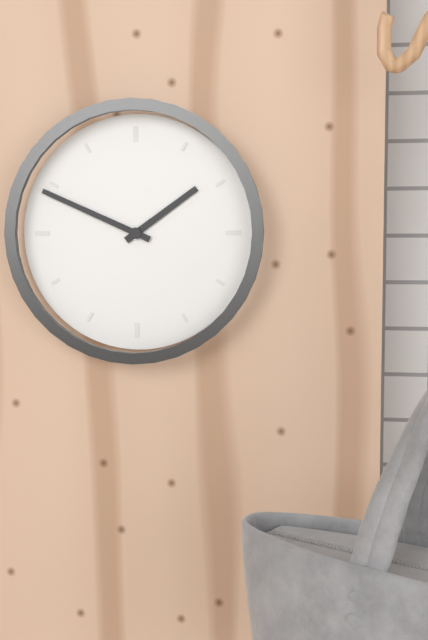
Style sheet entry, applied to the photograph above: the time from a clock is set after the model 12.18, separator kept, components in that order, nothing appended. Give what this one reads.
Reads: 1.49
